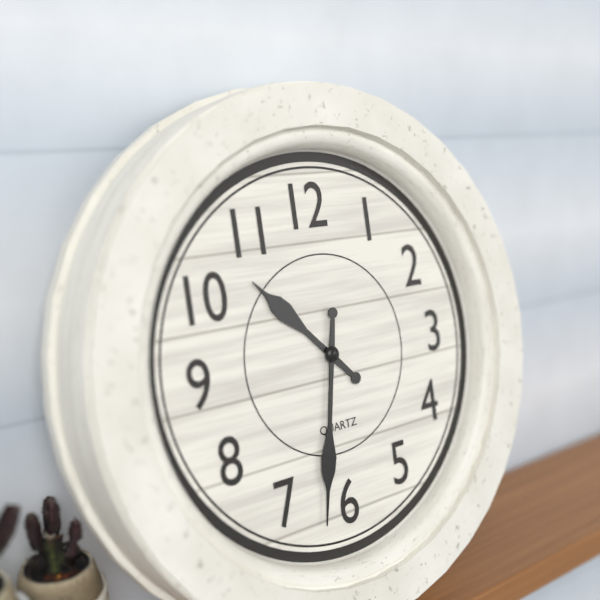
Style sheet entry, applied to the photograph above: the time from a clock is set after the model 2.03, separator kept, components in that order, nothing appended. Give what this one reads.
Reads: 10.32
